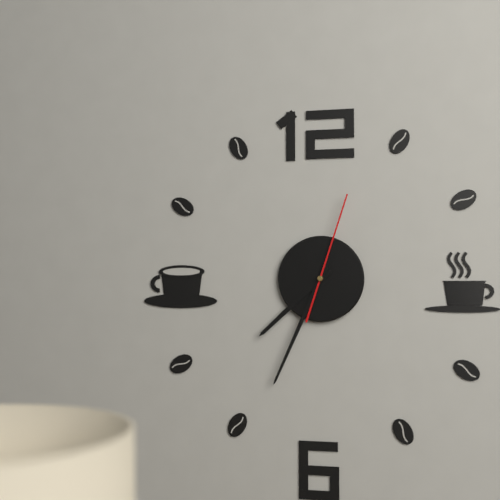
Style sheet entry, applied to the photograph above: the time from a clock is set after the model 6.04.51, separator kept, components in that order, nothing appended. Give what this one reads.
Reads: 7.34.03
